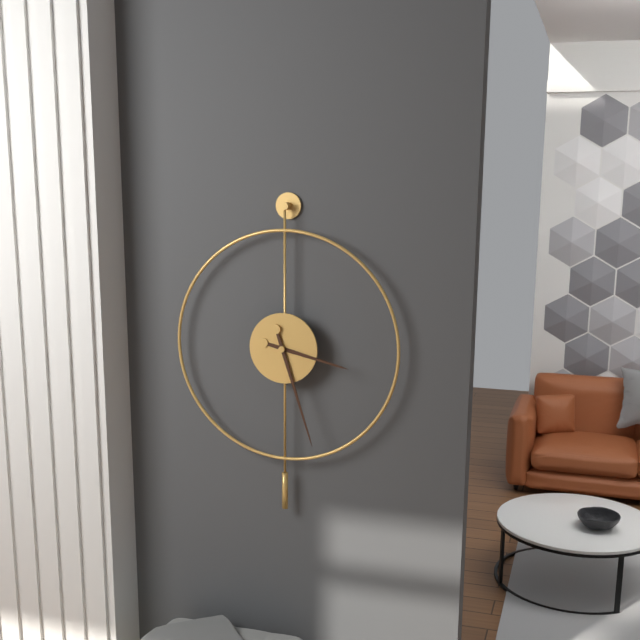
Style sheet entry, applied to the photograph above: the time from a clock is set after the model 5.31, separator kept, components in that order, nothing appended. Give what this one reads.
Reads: 3.27
